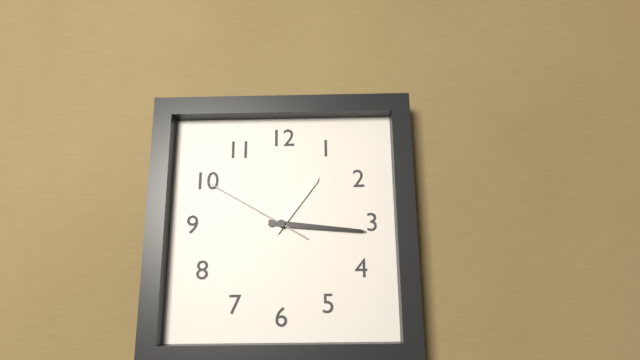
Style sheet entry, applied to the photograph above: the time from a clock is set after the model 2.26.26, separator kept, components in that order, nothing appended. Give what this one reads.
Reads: 1.16.50
